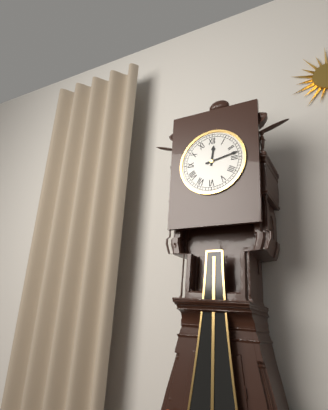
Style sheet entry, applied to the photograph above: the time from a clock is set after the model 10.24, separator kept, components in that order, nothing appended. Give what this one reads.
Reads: 12.13
